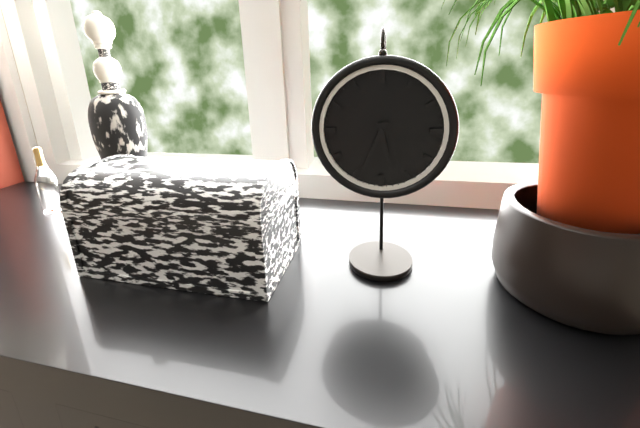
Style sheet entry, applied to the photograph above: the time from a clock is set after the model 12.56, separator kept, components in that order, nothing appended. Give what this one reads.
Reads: 5.34
